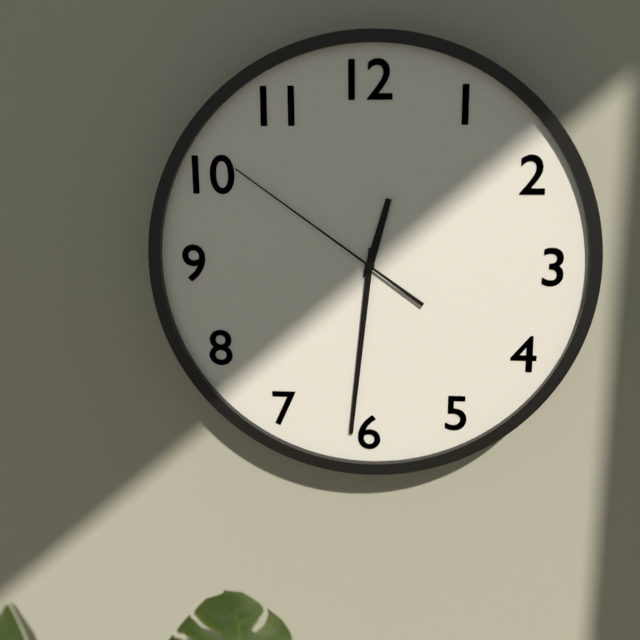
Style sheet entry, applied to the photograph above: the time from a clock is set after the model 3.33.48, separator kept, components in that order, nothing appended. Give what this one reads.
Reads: 12.31.51
